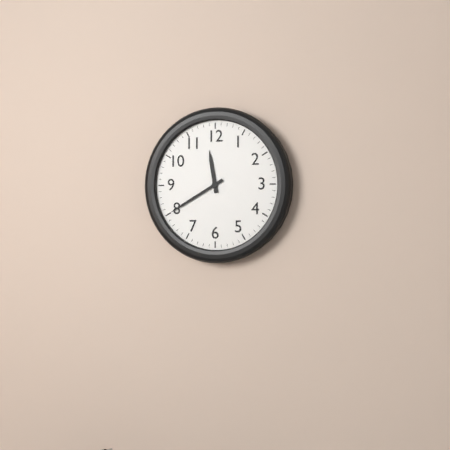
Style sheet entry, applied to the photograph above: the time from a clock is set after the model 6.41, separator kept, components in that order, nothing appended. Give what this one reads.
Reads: 11.40
